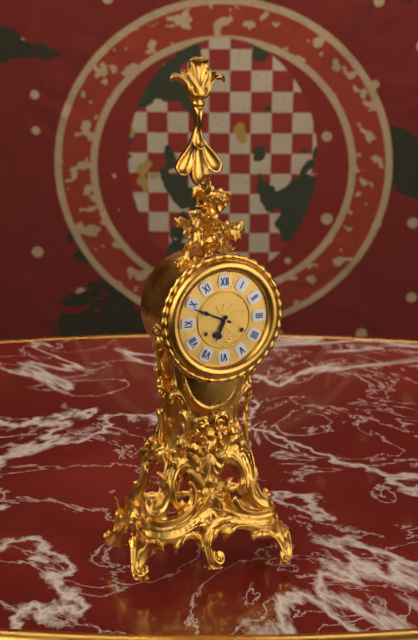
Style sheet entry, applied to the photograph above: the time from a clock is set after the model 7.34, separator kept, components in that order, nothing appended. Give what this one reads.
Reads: 6.49
